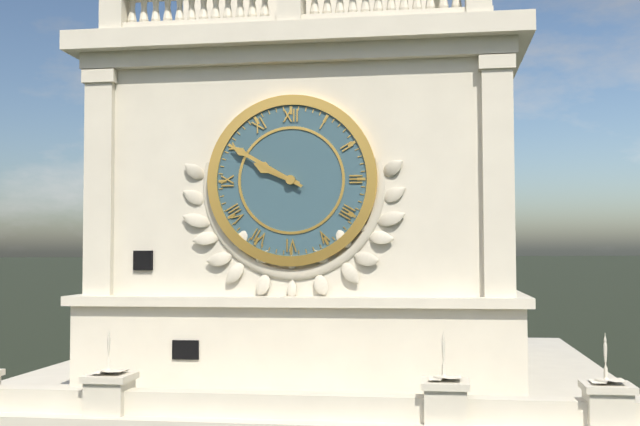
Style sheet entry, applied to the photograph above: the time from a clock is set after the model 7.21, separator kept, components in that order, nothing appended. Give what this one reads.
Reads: 9.50
